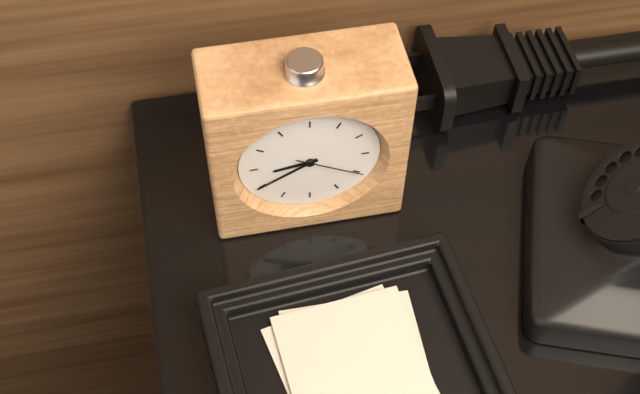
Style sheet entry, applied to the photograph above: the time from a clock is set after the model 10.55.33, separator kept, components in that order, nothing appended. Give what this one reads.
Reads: 8.40.20
